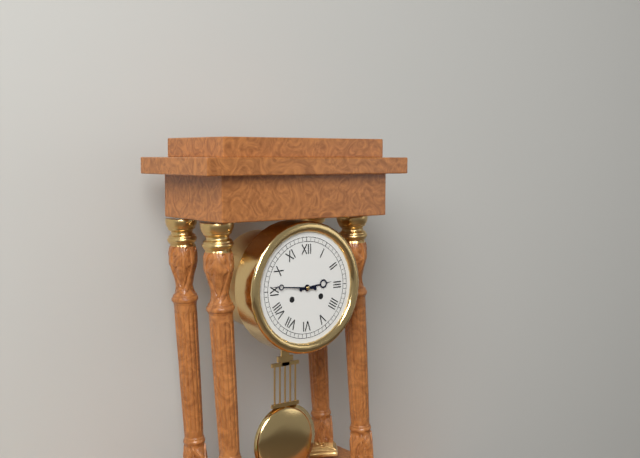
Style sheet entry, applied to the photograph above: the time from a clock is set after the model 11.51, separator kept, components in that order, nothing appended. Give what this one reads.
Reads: 2.46
